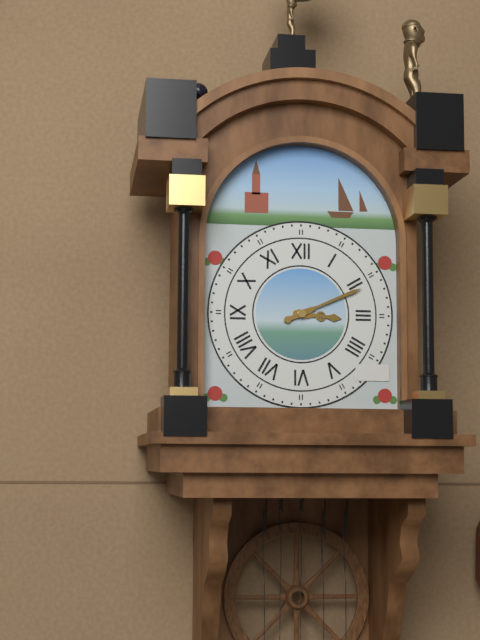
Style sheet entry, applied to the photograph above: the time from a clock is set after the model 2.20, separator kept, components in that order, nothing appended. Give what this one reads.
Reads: 3.11
